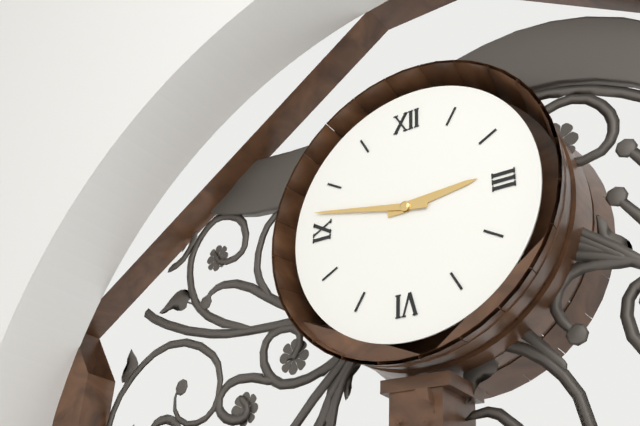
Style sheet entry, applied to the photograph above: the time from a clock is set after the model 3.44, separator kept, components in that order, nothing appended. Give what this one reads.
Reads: 2.47
